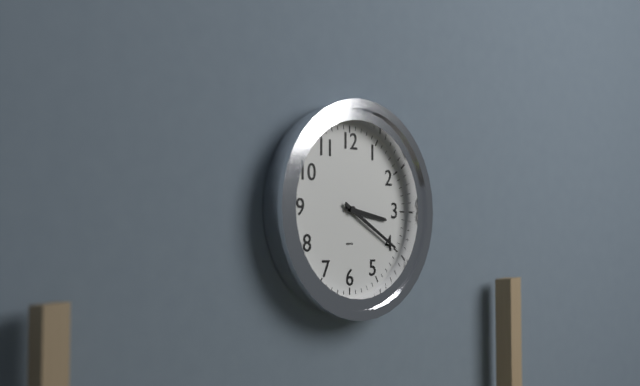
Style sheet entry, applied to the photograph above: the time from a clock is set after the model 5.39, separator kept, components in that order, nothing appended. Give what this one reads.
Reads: 3.20
